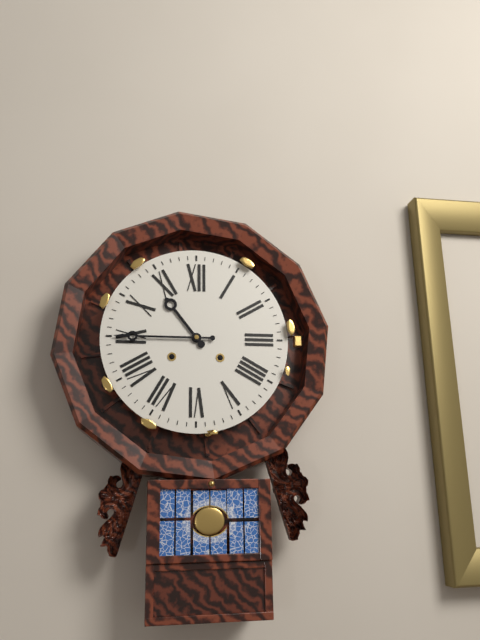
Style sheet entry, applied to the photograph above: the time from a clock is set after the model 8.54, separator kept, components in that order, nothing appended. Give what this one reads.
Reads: 10.45
